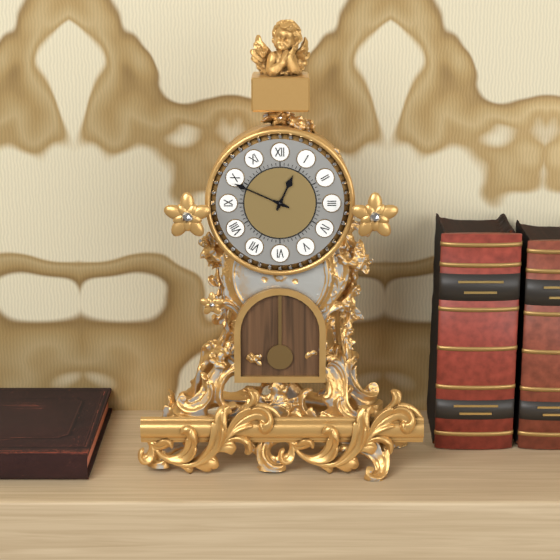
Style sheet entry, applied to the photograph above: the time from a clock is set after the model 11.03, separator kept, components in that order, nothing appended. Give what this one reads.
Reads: 12.49
